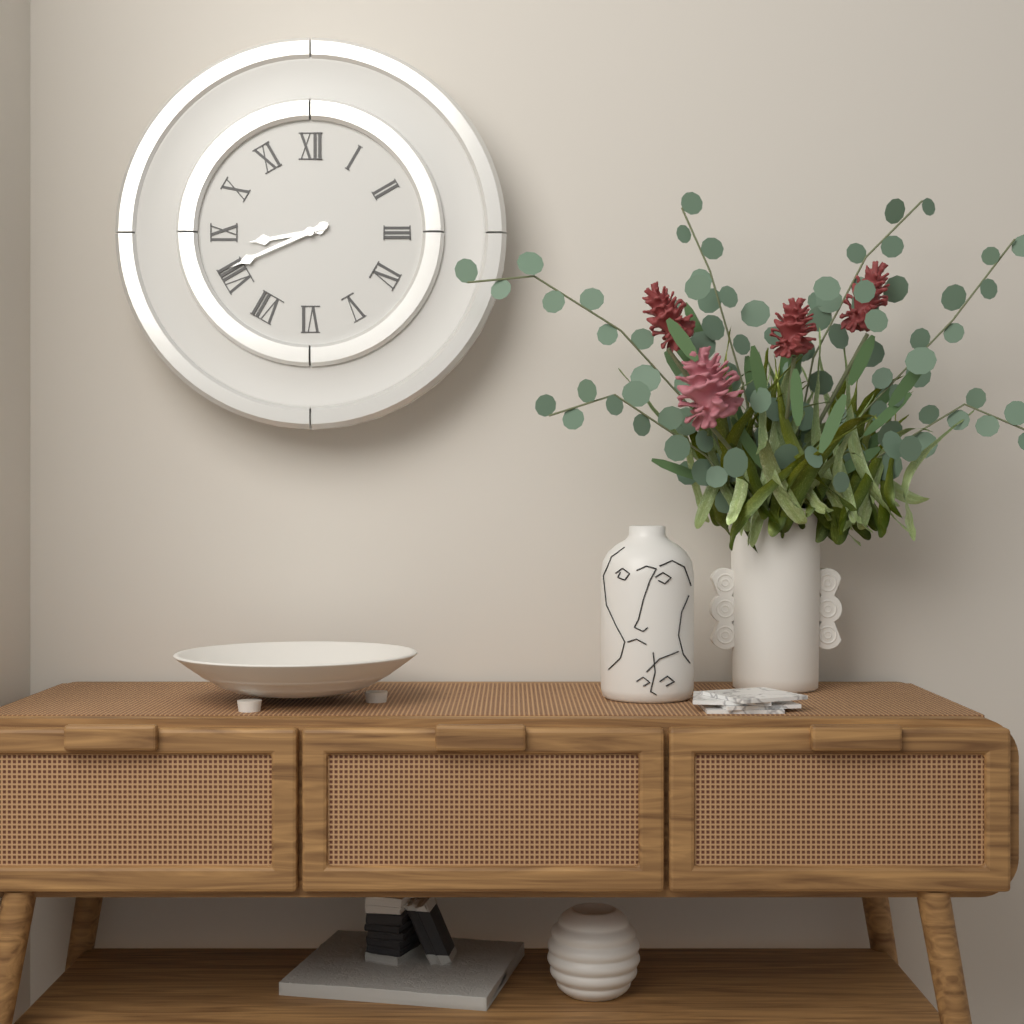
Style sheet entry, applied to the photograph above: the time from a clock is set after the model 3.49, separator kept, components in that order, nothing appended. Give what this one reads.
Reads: 8.41
